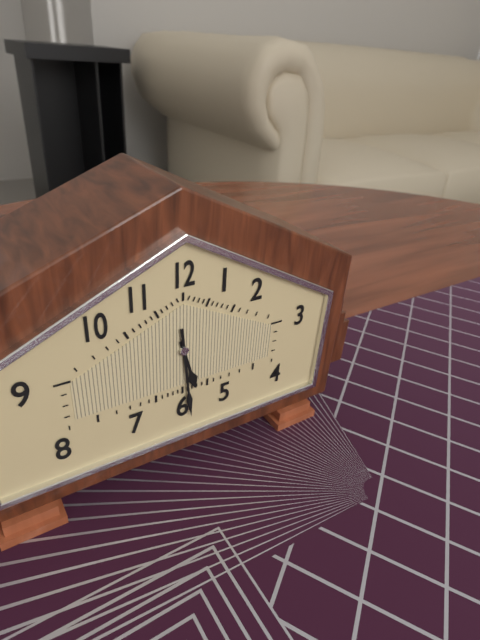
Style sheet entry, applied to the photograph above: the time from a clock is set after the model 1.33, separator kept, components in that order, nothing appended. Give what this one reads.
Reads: 5.29
